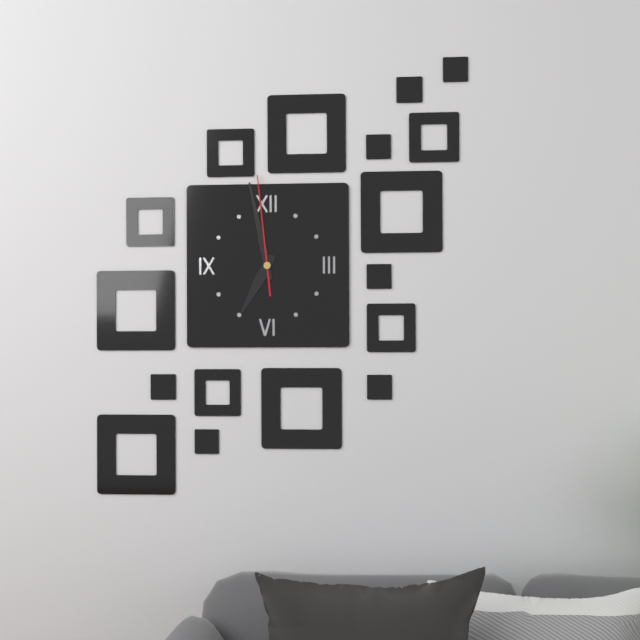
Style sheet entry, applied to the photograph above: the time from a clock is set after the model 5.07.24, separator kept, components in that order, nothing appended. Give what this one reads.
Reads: 6.58.59
